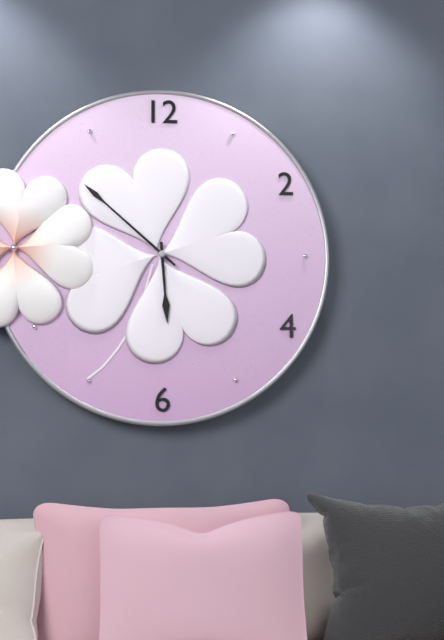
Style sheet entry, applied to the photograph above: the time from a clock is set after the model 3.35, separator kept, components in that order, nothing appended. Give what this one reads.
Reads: 5.52
